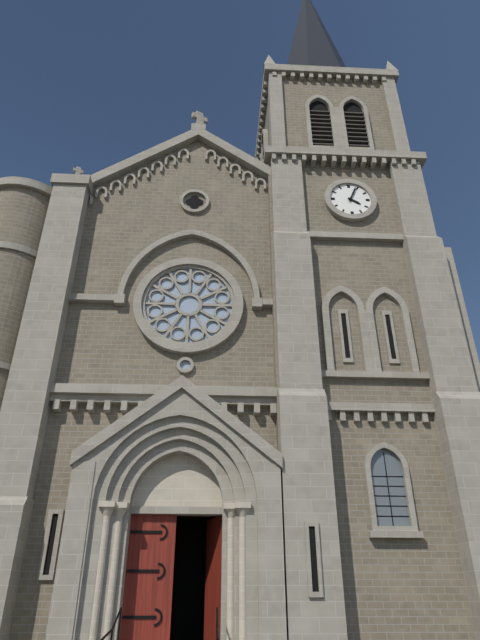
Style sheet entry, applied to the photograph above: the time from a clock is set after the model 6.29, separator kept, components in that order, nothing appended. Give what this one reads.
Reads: 4.04
